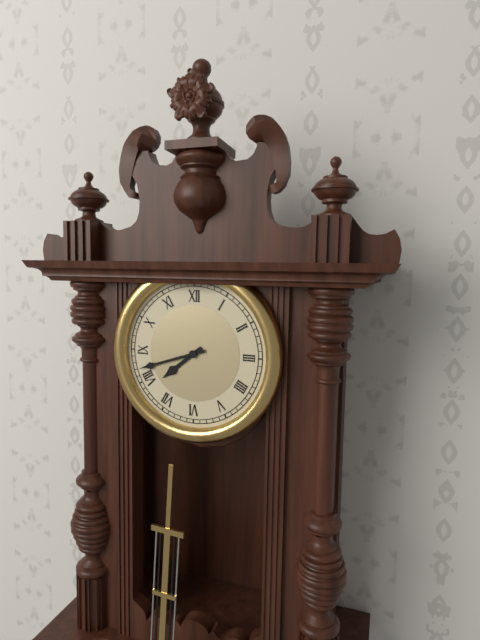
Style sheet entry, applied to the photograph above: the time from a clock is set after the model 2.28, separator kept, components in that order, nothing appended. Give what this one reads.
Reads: 7.42
